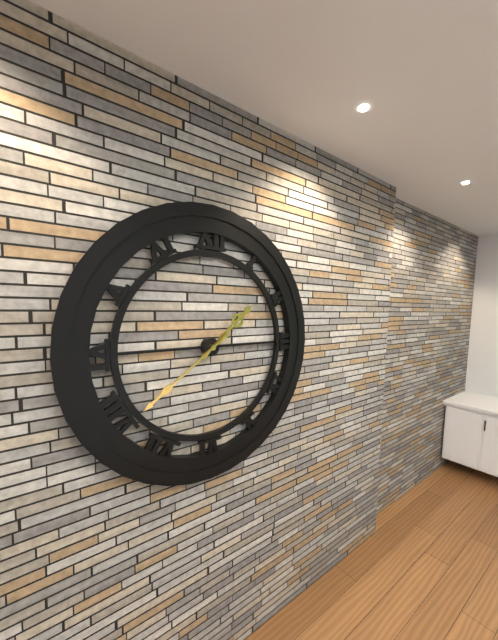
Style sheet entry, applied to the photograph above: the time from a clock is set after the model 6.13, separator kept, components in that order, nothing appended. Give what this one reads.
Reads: 1.39
